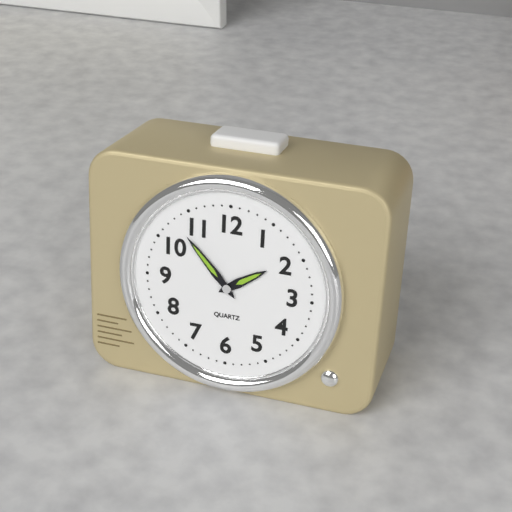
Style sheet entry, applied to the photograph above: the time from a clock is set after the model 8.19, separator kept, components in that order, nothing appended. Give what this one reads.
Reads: 1.53
